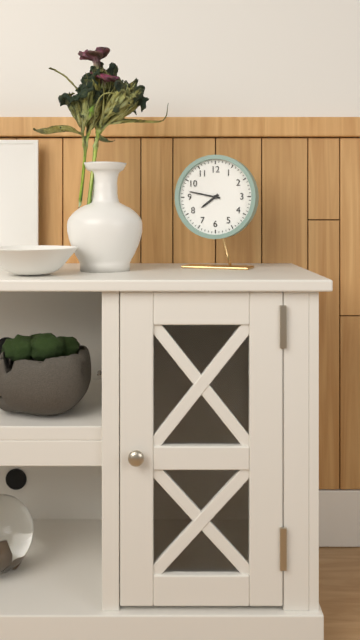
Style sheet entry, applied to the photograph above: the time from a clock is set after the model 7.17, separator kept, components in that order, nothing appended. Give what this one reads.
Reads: 7.47
